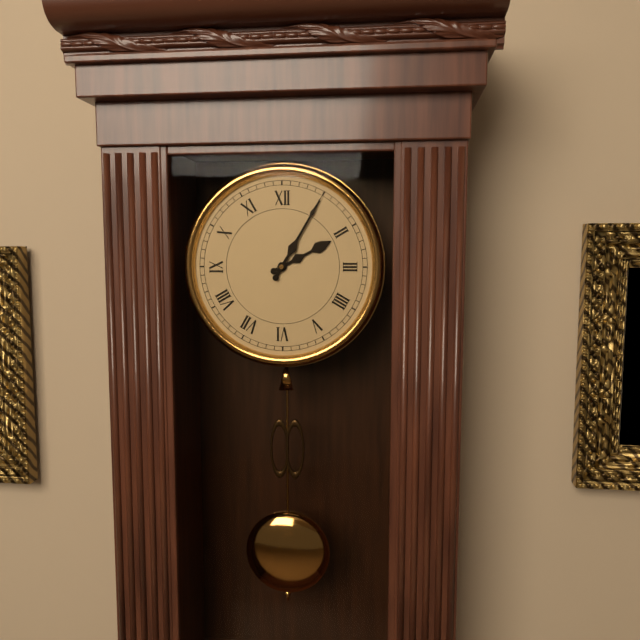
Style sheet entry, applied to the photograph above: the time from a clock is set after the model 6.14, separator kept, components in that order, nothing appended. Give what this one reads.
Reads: 2.05
